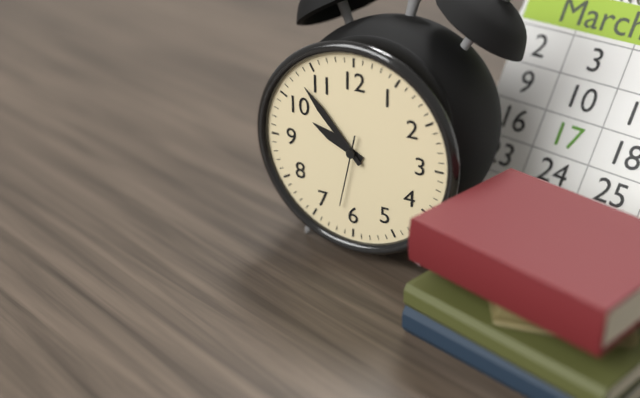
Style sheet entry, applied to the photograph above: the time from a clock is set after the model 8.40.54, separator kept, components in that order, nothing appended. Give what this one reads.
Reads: 9.53.32
